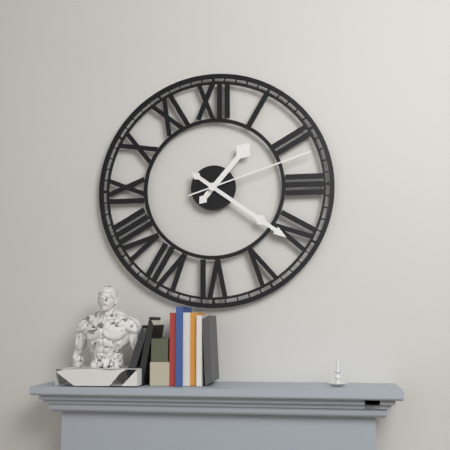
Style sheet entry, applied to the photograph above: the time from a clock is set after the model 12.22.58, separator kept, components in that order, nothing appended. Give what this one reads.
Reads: 1.21.12
